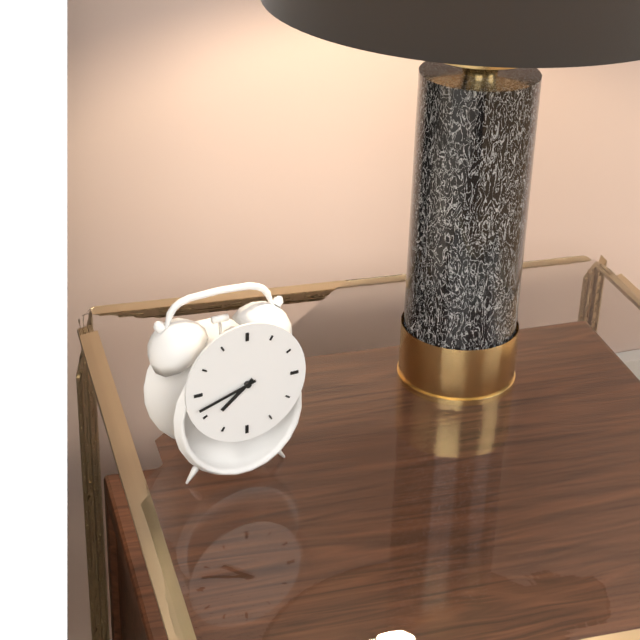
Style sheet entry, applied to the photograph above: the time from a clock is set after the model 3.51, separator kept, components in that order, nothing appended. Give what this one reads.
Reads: 7.42
